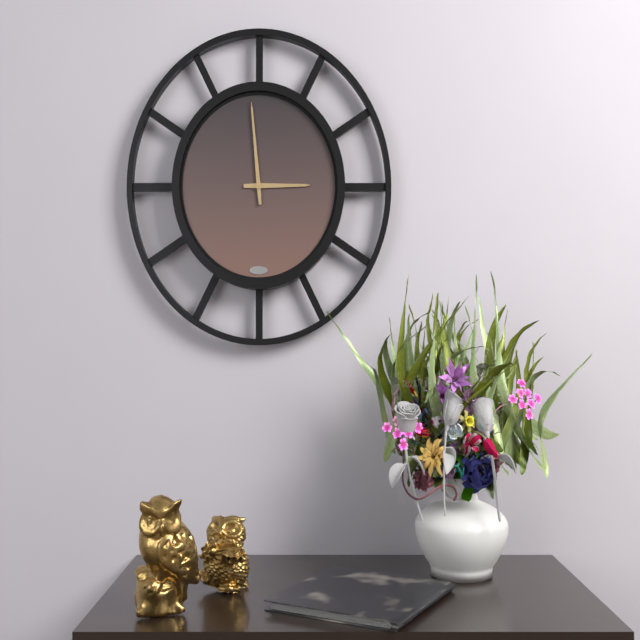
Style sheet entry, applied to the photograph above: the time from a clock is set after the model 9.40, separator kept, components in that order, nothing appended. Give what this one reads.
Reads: 2.59
